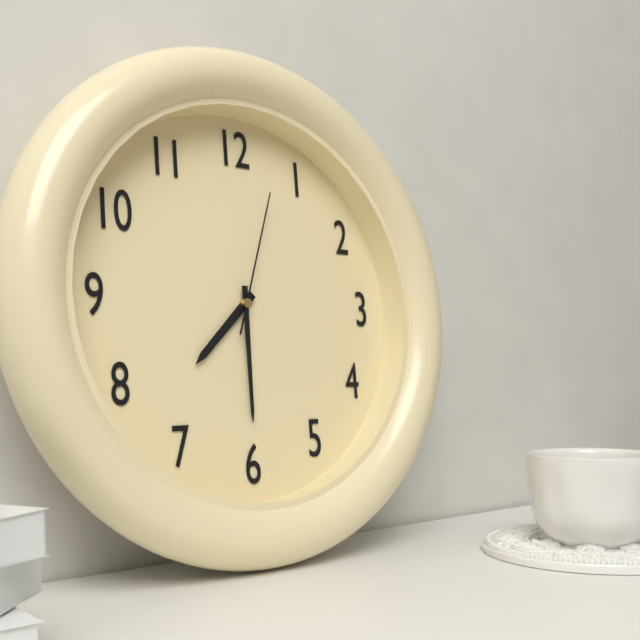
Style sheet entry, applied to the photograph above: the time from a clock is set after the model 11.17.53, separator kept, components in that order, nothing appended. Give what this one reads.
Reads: 7.30.03
